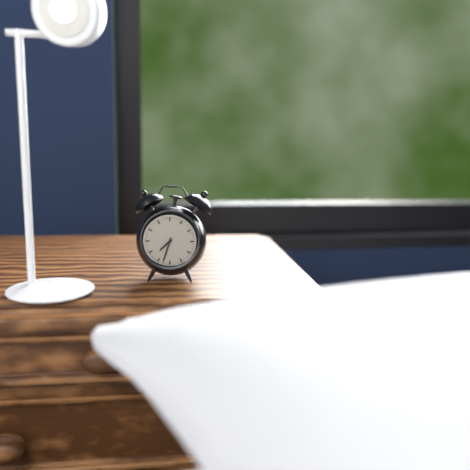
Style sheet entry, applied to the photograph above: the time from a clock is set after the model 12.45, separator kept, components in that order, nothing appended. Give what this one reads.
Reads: 7.33
